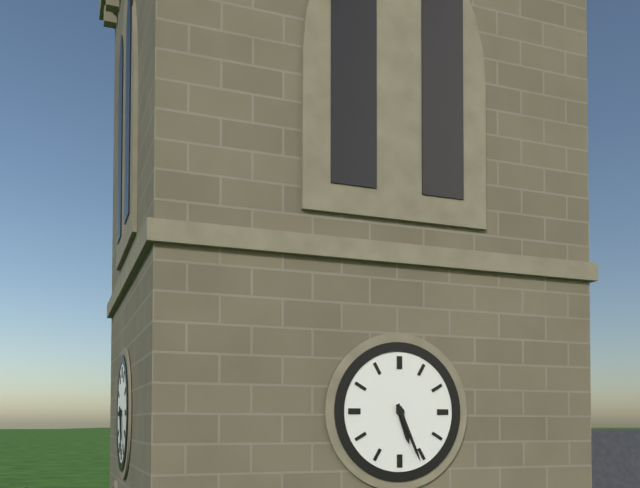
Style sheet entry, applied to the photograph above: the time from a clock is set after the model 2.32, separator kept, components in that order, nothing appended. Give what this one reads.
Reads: 5.26
